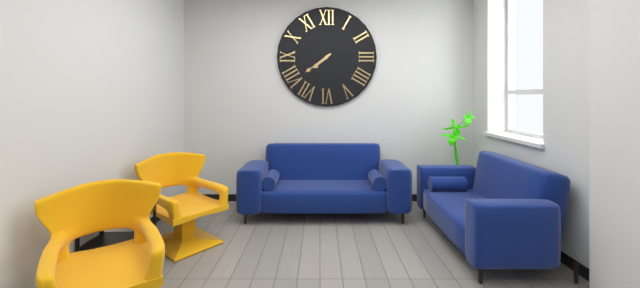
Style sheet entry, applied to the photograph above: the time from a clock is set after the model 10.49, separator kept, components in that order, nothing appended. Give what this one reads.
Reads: 7.39
